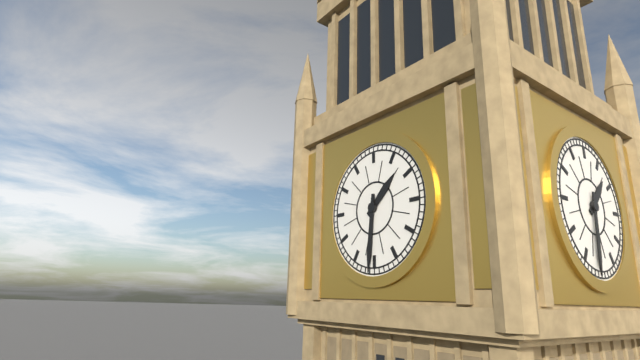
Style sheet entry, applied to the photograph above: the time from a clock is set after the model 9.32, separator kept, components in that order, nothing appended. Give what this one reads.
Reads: 1.31
